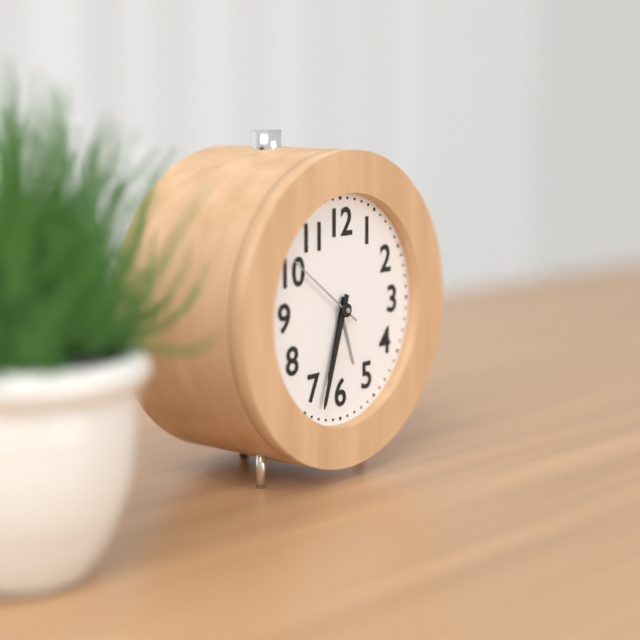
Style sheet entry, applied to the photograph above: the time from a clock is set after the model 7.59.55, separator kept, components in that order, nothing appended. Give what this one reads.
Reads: 6.33.51
